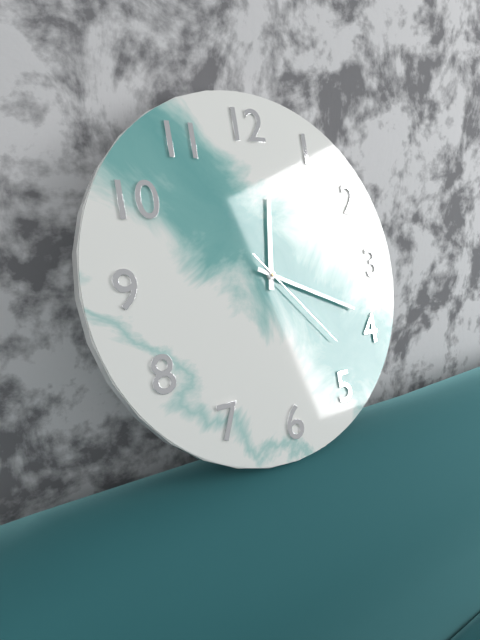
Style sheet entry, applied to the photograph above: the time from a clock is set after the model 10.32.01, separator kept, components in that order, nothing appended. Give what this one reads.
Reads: 12.19.23
